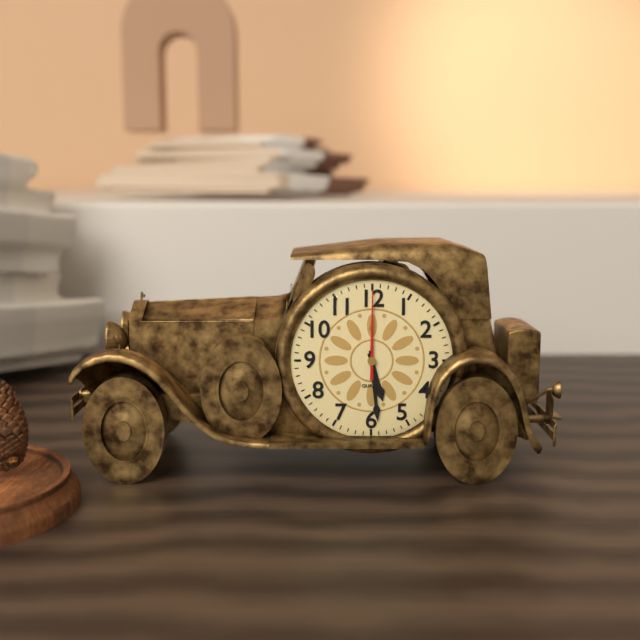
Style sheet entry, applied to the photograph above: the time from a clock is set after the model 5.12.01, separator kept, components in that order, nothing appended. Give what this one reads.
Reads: 5.29.00
